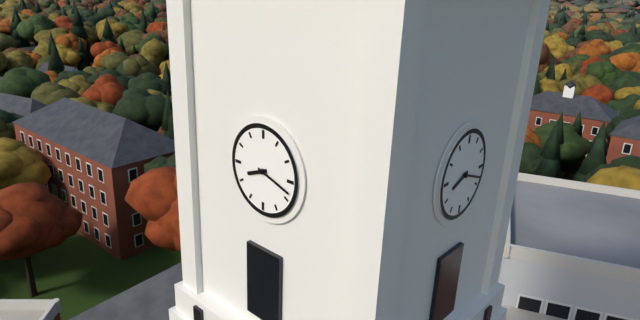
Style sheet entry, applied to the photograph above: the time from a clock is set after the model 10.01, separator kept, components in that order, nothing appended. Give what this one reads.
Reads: 8.18
